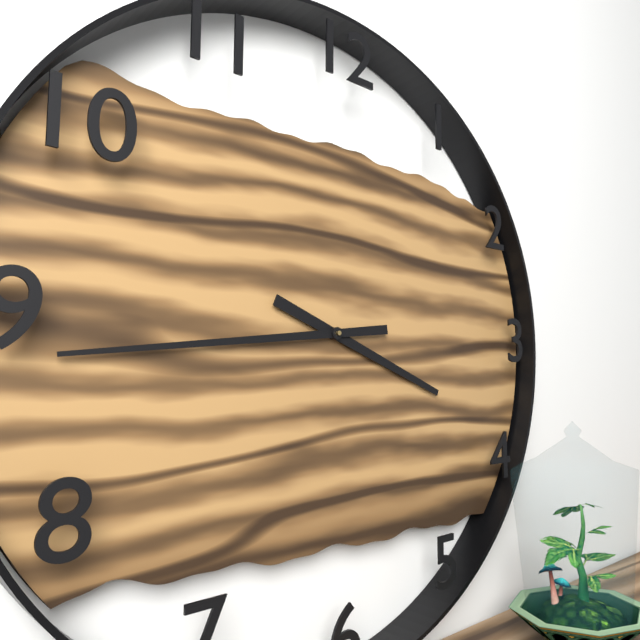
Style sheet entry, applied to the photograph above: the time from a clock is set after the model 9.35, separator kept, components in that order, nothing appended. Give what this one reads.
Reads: 3.44
